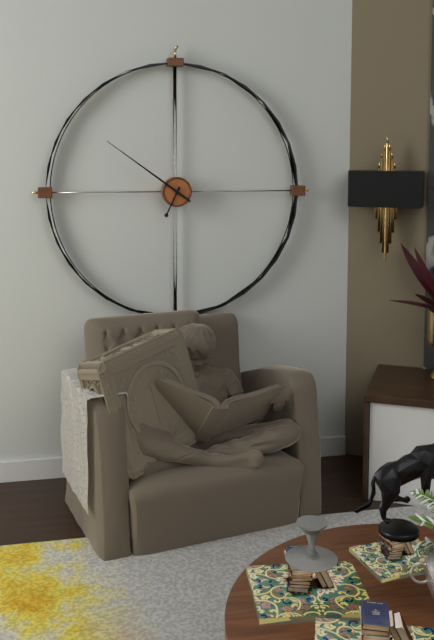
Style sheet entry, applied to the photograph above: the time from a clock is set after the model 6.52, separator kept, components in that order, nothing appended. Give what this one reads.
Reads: 6.51
